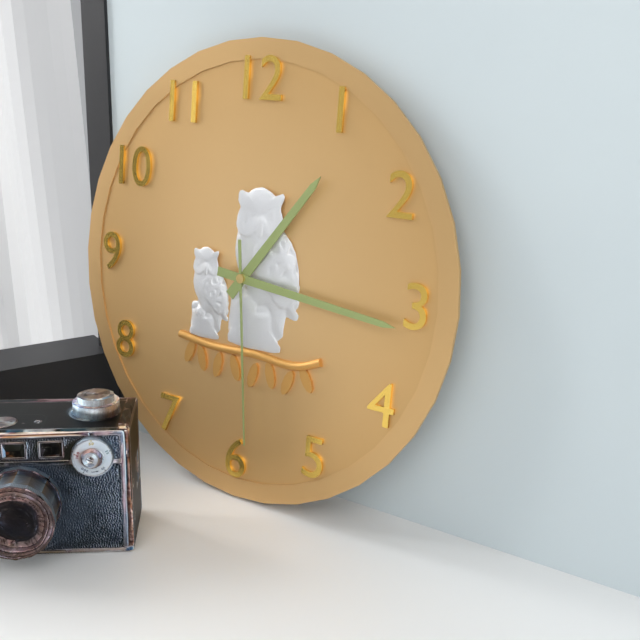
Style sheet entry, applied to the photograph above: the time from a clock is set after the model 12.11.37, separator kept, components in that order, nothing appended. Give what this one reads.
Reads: 1.16.29
